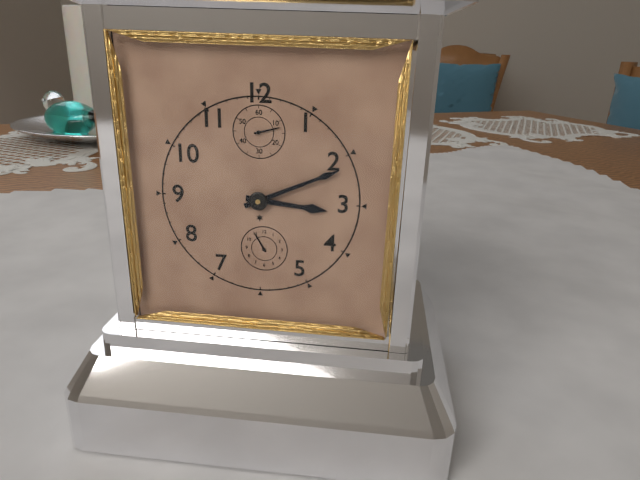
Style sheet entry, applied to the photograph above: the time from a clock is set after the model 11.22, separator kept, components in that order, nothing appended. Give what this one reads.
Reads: 3.11
